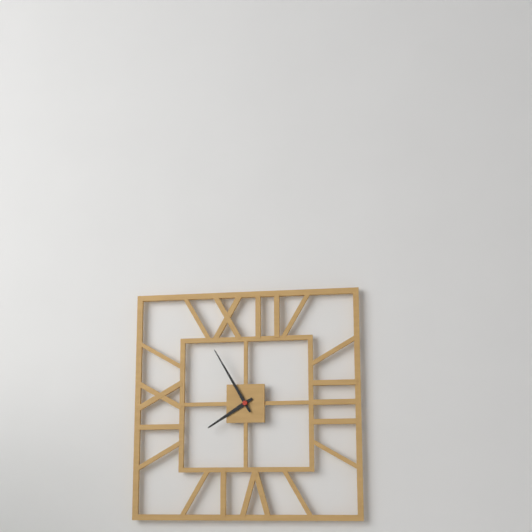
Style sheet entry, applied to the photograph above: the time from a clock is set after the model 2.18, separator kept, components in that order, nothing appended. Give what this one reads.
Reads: 7.55
